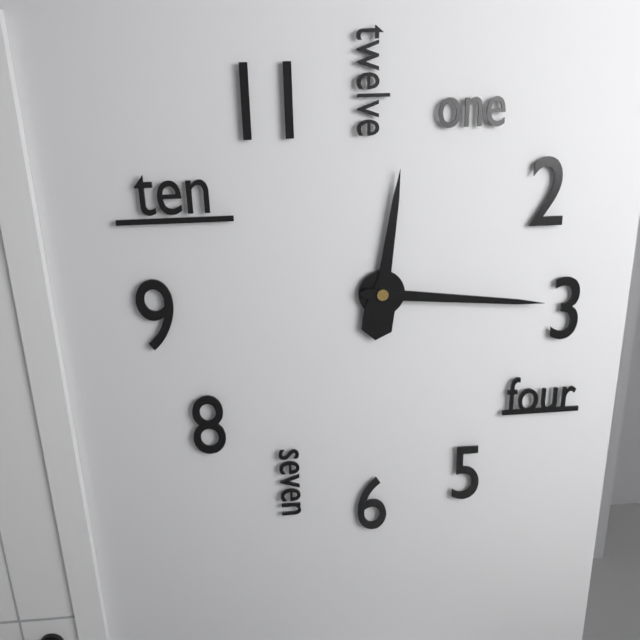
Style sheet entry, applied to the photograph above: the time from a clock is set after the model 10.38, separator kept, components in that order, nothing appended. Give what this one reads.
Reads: 12.16
